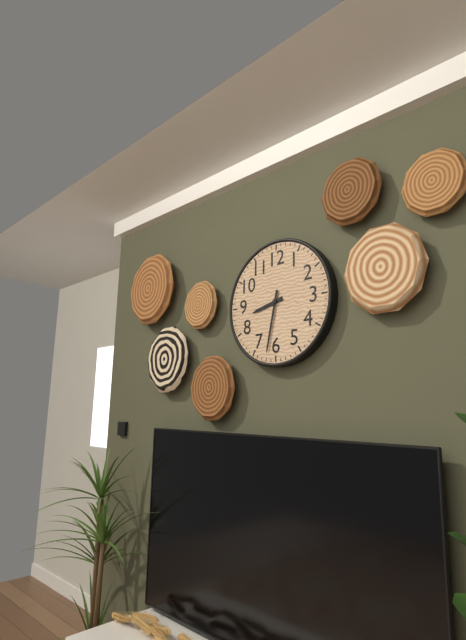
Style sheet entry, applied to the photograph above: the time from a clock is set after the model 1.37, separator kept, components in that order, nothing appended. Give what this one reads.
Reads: 8.32
